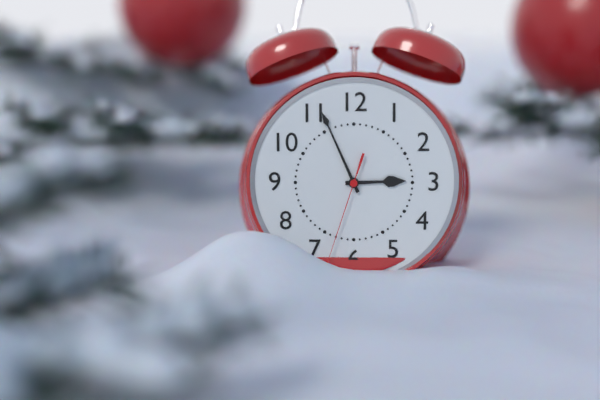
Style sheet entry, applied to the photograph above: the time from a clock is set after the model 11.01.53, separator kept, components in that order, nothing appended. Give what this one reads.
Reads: 2.56.33
